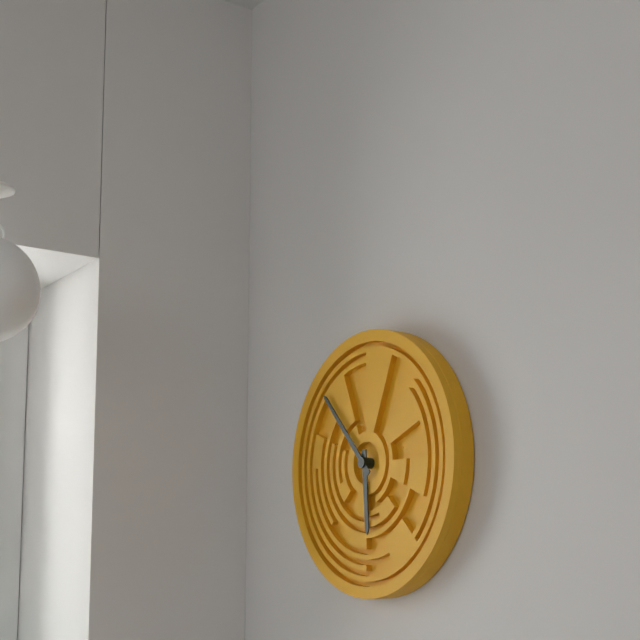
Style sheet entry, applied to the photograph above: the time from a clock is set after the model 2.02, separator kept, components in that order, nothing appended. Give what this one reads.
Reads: 5.53
